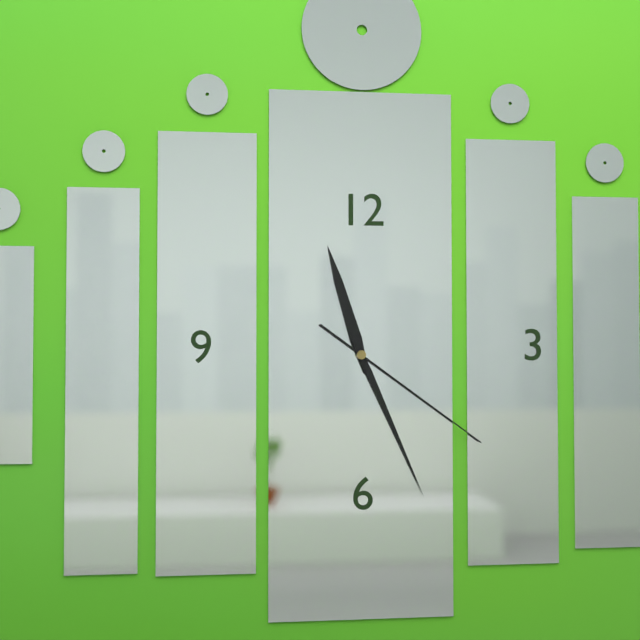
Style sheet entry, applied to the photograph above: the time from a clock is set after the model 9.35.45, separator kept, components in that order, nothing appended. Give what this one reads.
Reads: 11.26.21
